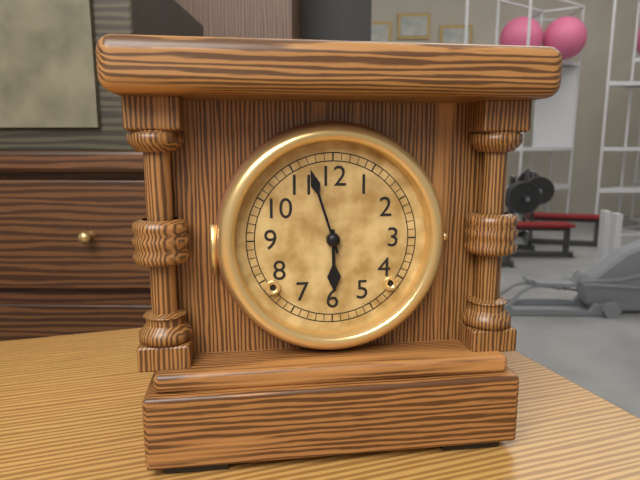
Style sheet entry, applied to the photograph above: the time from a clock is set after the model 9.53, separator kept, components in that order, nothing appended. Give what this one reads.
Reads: 5.57
